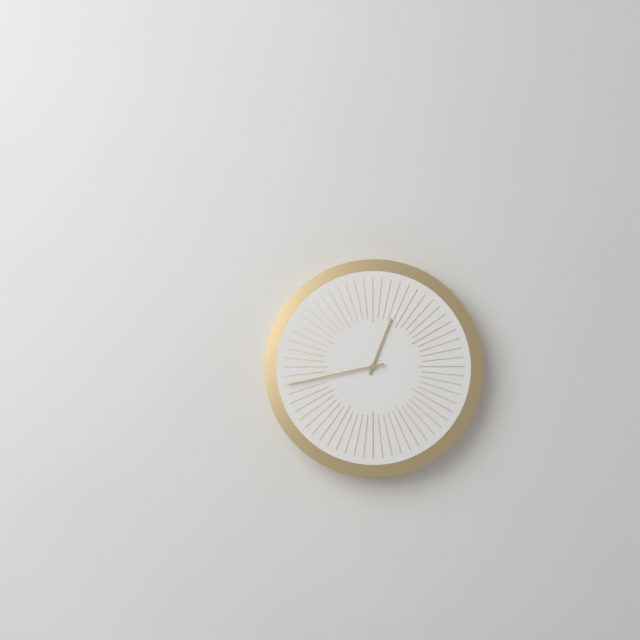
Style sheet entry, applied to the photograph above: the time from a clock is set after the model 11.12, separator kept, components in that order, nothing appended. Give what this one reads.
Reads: 12.43
